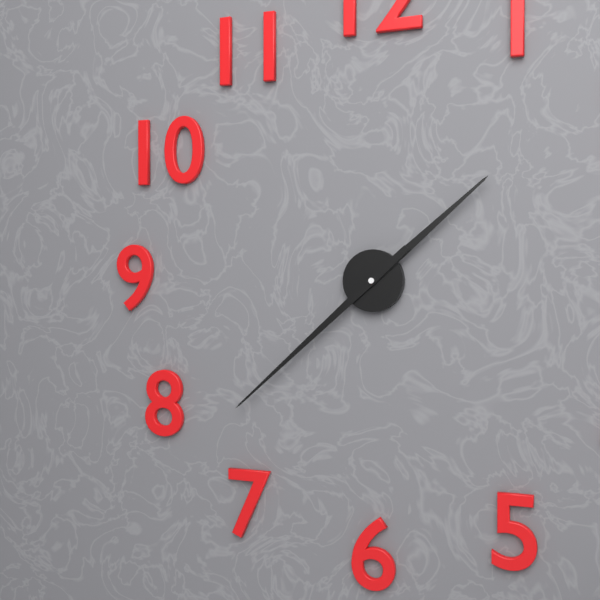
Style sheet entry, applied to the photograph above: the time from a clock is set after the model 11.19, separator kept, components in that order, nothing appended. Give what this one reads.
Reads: 1.38
